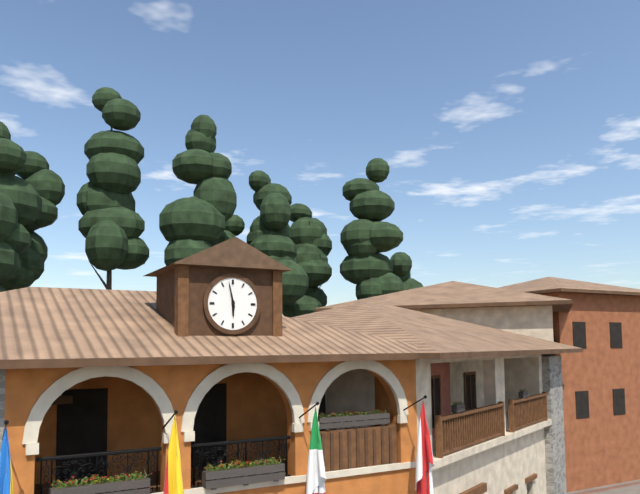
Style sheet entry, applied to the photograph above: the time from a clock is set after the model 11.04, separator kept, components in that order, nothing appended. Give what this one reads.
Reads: 5.58
